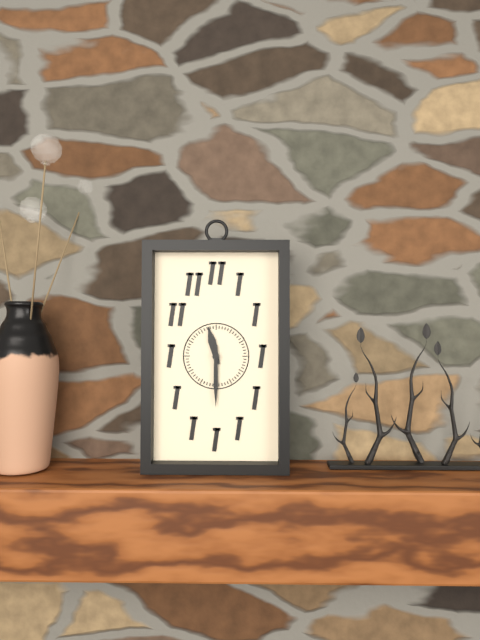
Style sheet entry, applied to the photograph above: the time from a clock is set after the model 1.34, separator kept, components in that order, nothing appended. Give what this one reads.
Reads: 11.30
